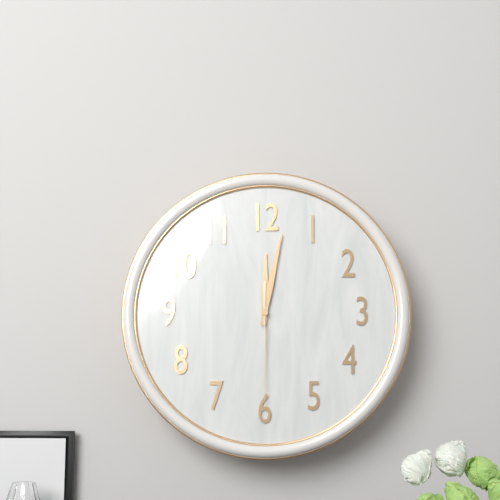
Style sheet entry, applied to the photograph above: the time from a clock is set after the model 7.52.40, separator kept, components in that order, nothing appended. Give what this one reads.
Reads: 12.02.30
